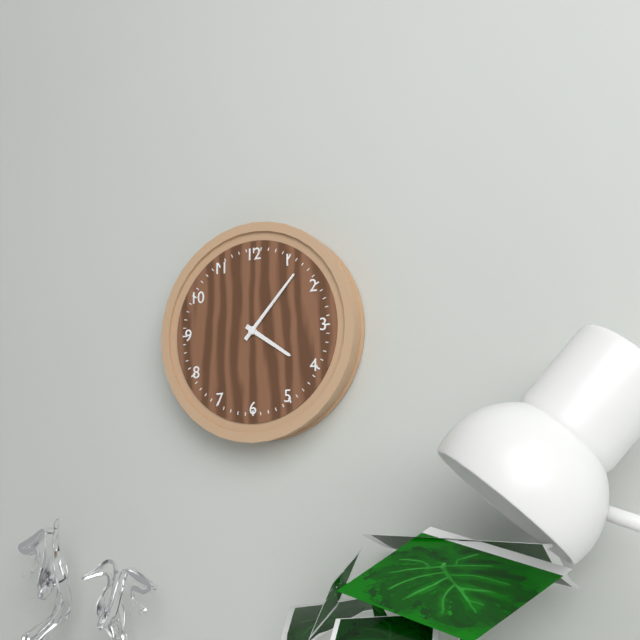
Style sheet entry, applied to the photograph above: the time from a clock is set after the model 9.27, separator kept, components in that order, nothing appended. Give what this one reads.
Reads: 4.07
